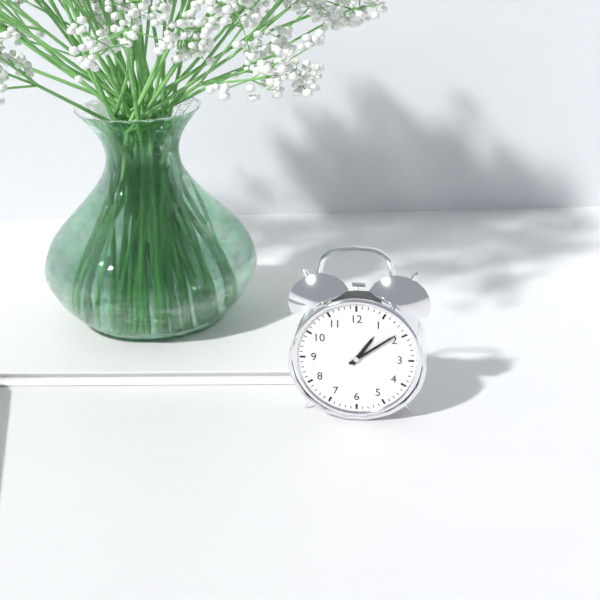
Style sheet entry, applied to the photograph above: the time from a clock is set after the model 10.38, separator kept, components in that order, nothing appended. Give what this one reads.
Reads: 1.09
